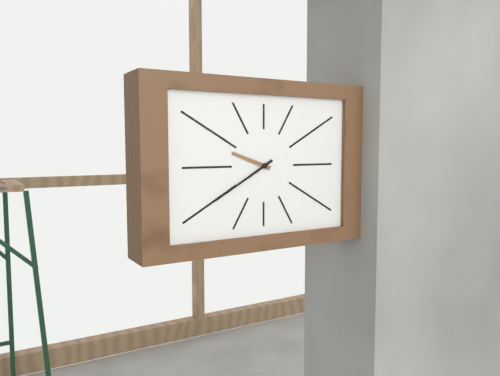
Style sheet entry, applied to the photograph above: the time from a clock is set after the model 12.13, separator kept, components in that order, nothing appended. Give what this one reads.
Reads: 9.40
